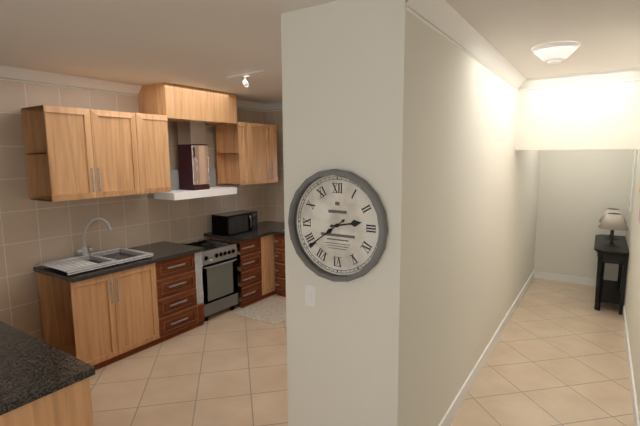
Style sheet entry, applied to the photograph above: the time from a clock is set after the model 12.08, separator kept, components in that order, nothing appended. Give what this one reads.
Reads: 2.39
